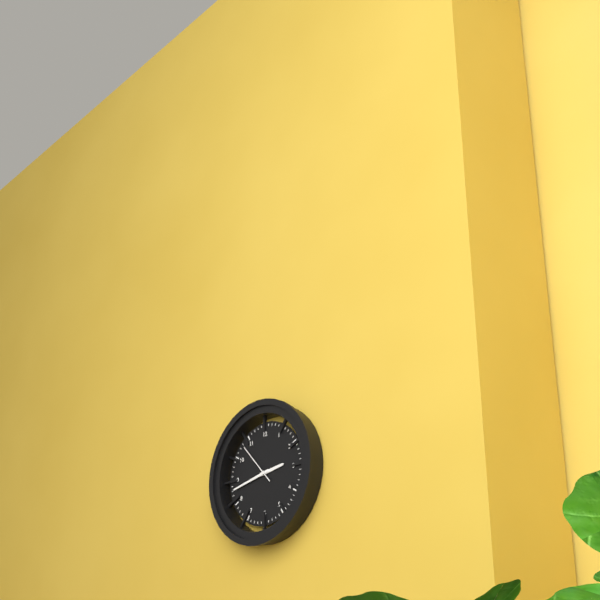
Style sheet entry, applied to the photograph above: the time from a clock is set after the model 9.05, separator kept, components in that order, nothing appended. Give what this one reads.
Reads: 2.43
